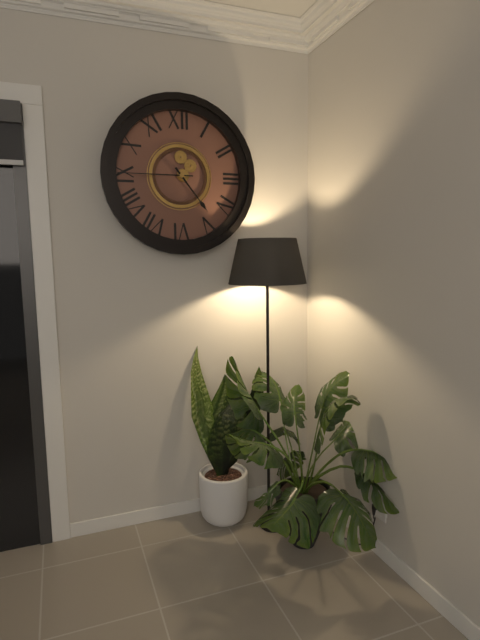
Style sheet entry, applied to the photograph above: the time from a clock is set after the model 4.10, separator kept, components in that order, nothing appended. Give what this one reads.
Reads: 4.45
